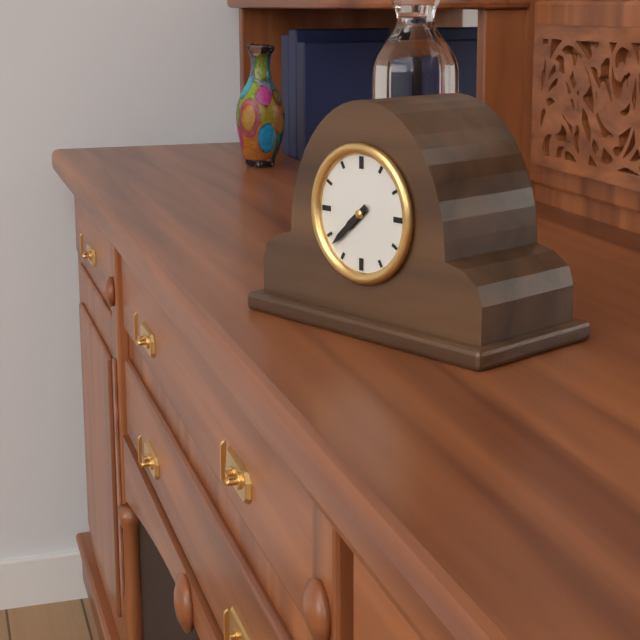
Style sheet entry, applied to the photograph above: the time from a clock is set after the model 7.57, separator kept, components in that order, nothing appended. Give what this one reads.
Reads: 7.38
